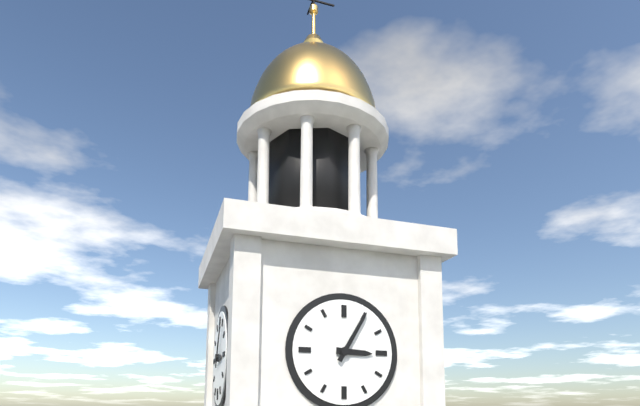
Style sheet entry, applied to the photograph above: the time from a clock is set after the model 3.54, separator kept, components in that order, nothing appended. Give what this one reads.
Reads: 3.05
